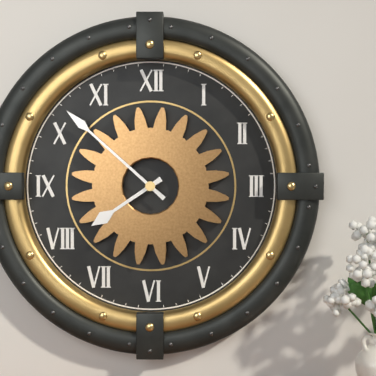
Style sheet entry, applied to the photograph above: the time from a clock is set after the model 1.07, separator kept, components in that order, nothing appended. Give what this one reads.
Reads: 7.52
